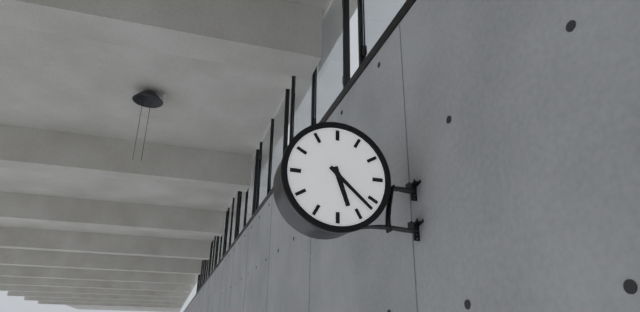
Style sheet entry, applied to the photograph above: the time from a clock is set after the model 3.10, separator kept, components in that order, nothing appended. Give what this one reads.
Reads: 5.22
